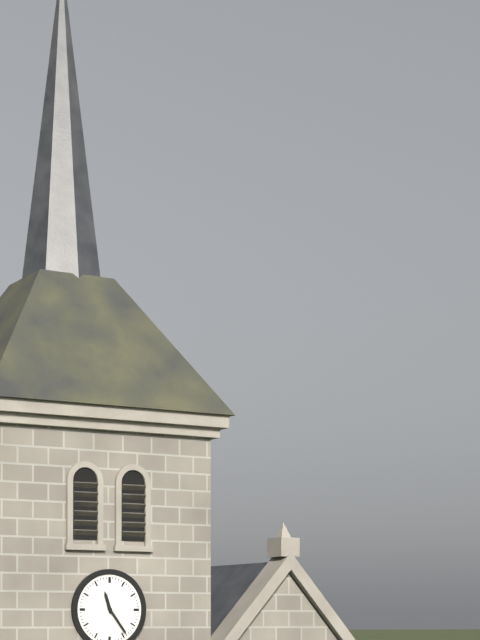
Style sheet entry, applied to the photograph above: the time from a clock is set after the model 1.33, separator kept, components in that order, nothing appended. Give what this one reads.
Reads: 11.24
